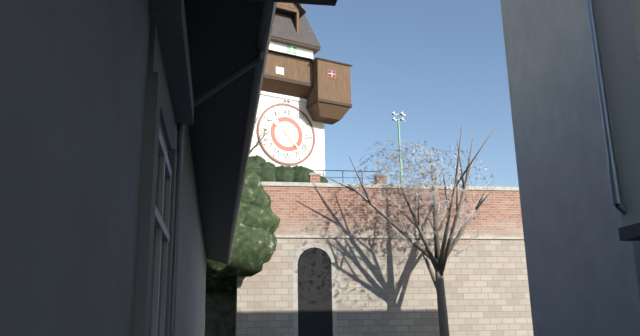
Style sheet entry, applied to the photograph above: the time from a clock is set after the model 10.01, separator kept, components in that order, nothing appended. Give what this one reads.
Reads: 10.23
